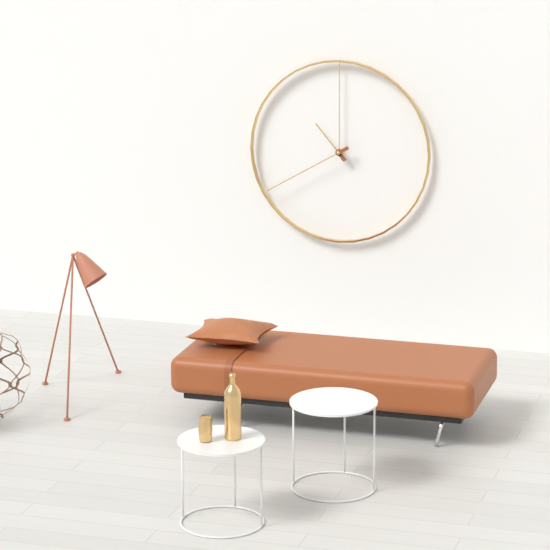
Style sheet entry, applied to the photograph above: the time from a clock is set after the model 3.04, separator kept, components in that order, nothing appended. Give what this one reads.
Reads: 10.40
